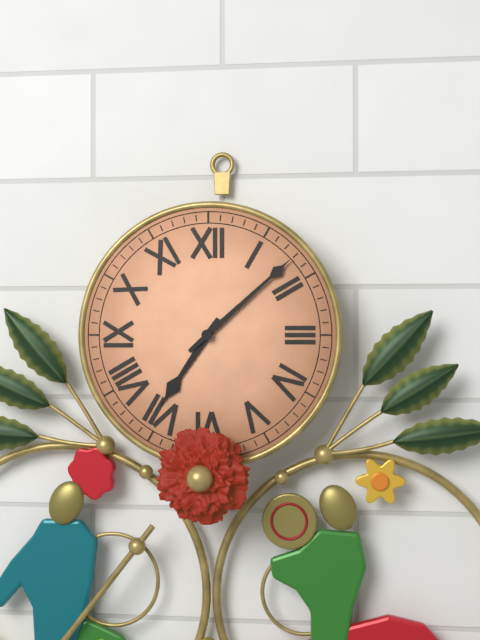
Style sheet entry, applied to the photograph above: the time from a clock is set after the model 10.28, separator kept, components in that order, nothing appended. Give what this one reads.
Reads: 7.08
